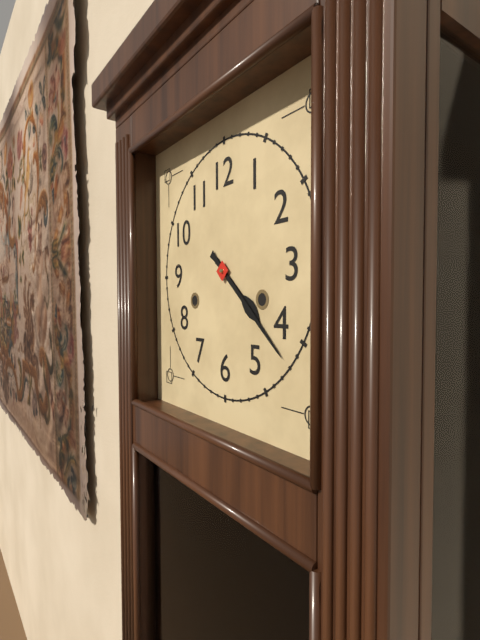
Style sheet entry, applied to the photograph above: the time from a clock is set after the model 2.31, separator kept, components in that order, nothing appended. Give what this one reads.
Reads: 4.22
